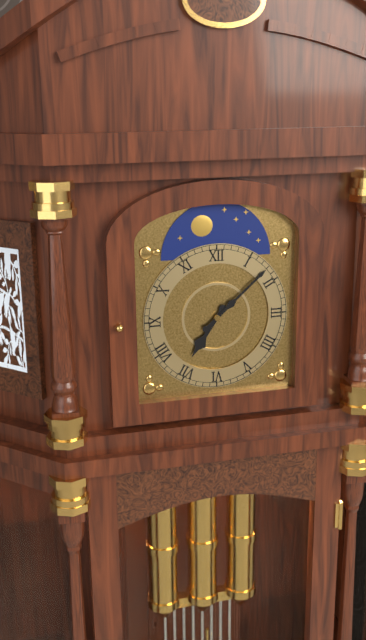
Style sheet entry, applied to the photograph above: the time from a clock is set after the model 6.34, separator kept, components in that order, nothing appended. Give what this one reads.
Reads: 7.08
